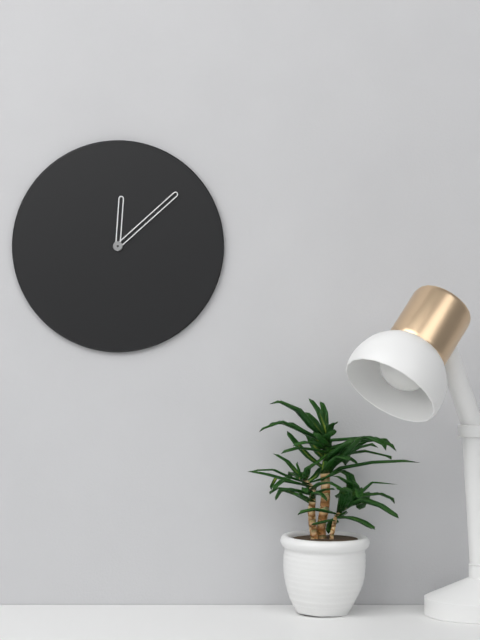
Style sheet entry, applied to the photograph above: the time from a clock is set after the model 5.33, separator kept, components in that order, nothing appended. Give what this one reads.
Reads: 12.08
